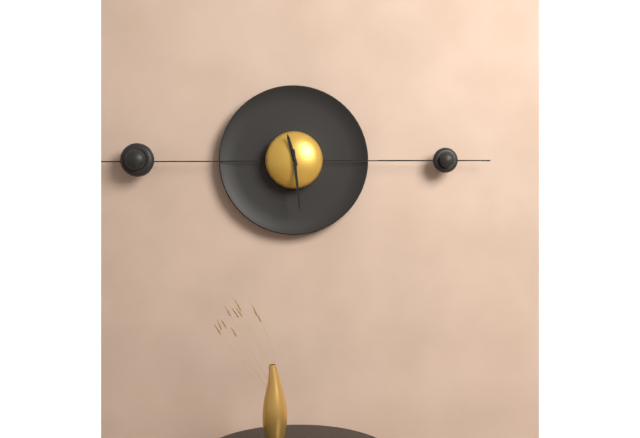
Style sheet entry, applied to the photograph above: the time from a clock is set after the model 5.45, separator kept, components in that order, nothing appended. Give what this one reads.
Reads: 11.29
